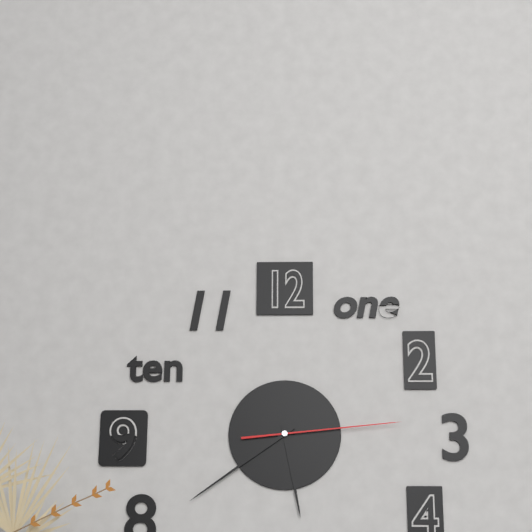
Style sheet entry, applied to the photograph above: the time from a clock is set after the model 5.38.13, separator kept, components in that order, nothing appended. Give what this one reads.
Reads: 5.39.14
